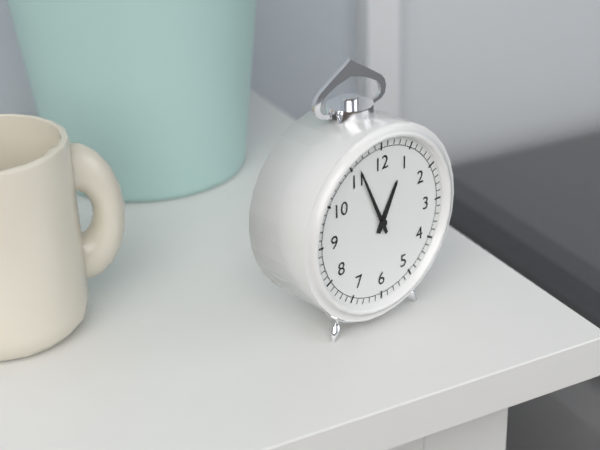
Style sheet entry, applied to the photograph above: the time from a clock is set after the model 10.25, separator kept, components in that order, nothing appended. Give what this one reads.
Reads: 12.56
